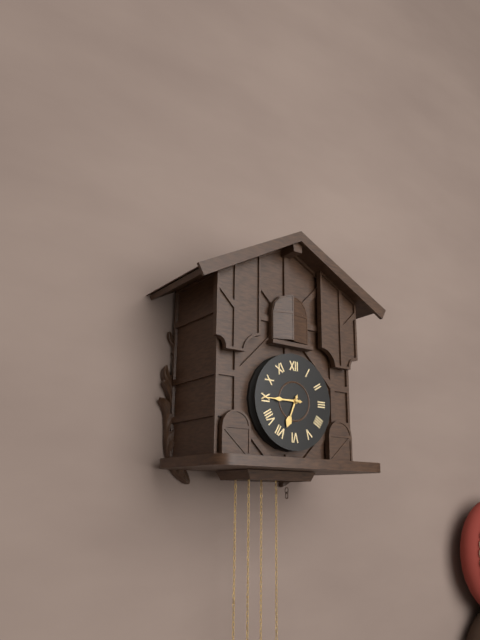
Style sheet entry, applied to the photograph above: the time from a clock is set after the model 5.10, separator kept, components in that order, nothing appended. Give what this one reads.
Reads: 6.45
